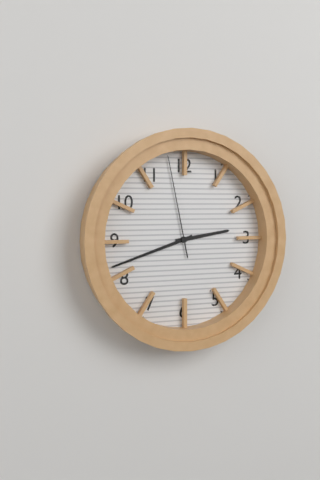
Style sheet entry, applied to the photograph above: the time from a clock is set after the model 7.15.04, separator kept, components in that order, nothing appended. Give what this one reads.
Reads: 2.42.58
